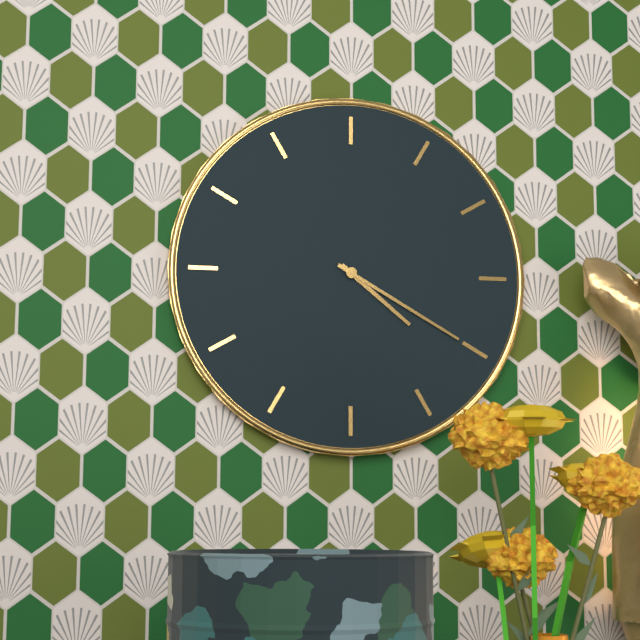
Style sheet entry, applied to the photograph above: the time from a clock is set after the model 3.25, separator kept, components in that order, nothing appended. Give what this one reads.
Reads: 4.20
